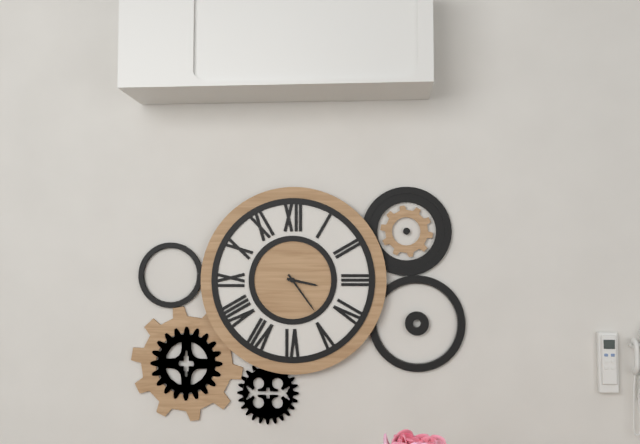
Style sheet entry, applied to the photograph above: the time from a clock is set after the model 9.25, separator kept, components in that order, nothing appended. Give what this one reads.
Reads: 3.24
